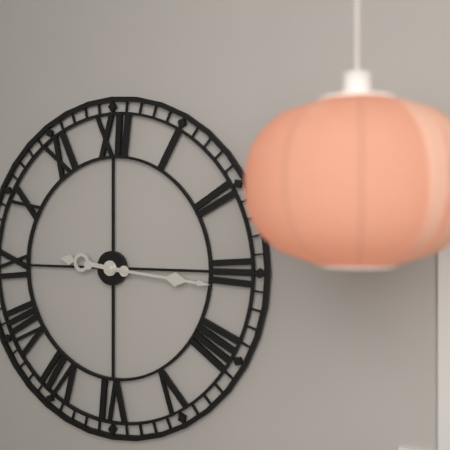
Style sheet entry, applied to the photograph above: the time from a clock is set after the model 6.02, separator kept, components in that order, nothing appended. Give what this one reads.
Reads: 9.16
